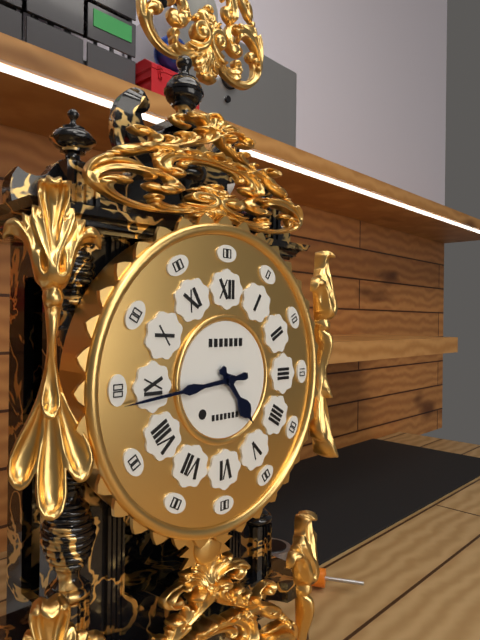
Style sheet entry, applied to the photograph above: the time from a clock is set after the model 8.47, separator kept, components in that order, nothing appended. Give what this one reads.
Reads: 4.44
